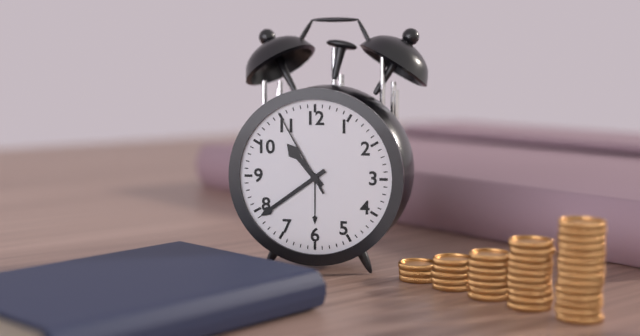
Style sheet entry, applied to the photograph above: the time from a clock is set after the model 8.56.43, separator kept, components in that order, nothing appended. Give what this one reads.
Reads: 10.39.55
